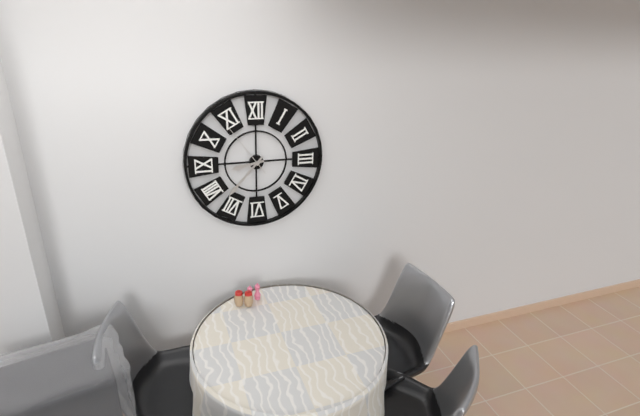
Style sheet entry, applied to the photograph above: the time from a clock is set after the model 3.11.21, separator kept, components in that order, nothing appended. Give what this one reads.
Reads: 8.37.54
